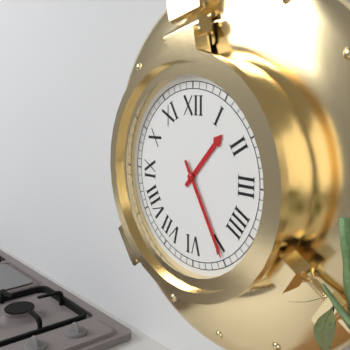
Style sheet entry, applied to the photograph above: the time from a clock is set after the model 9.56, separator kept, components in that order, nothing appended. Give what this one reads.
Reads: 1.25
